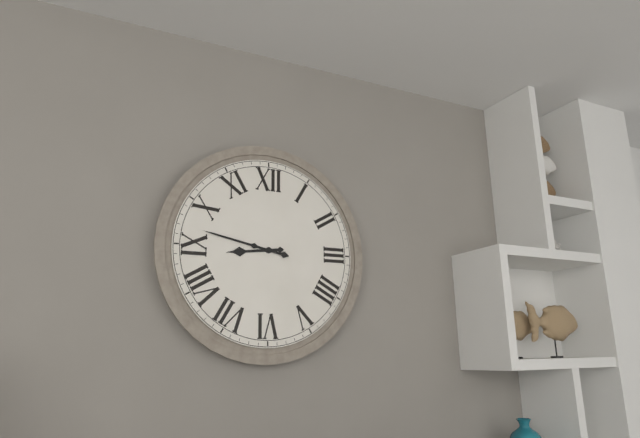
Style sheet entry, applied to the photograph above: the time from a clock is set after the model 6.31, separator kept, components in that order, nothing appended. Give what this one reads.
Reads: 8.47
